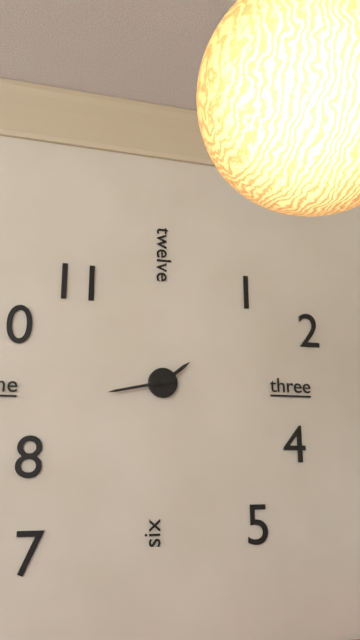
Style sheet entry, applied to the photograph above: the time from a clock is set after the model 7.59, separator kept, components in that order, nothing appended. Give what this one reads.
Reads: 1.43
